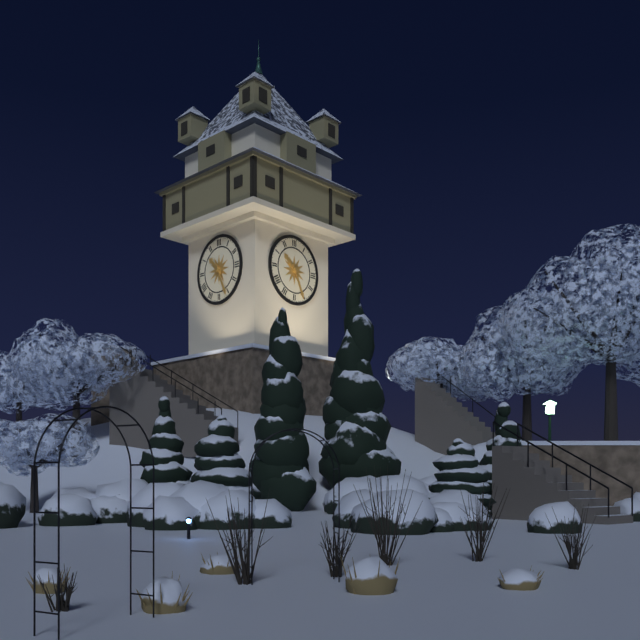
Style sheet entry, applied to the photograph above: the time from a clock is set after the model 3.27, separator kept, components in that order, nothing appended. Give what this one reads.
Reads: 10.26
